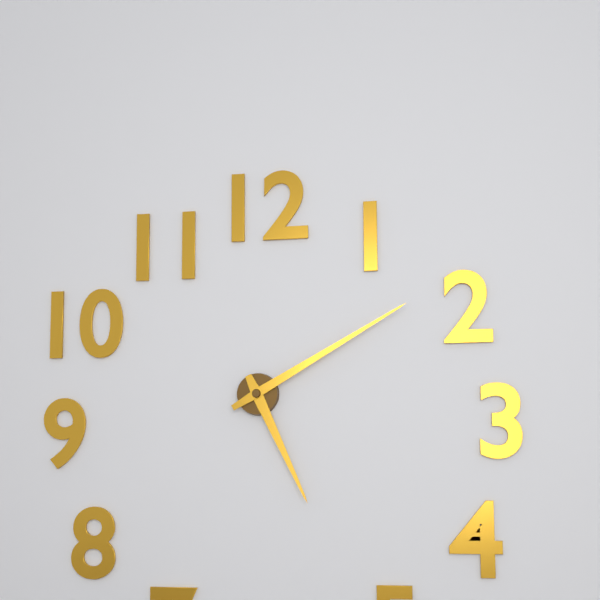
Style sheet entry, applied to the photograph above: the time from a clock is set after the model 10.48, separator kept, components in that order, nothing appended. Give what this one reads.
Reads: 5.10
